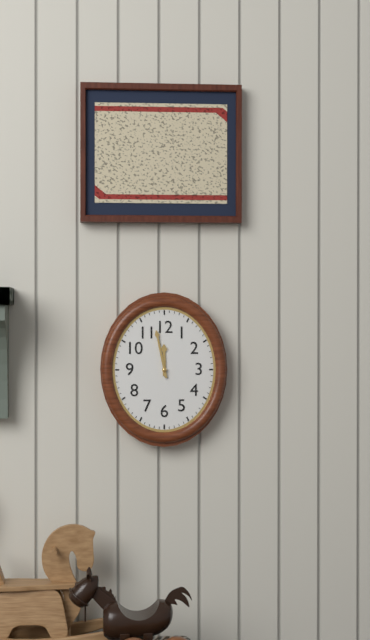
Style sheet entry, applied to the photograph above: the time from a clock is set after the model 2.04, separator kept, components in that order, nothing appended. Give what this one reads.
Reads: 11.58
